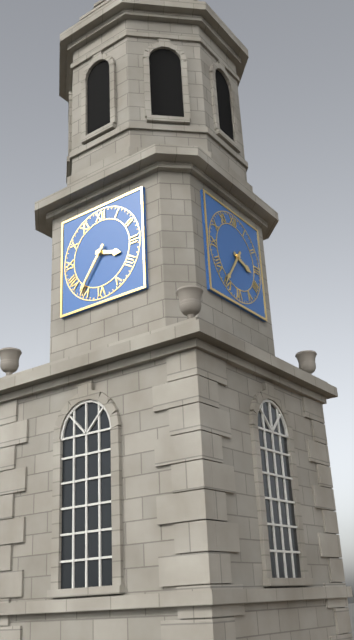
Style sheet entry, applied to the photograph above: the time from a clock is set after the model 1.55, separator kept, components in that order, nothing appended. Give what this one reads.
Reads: 3.36
